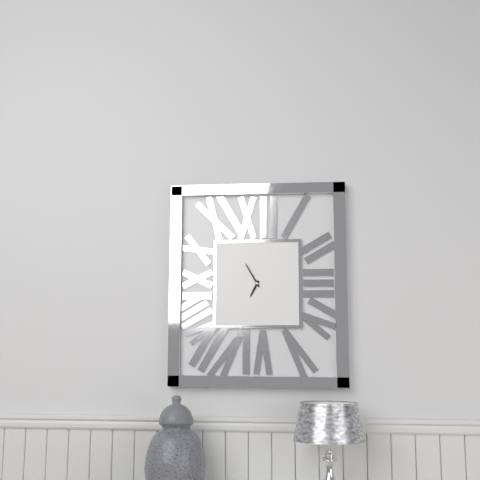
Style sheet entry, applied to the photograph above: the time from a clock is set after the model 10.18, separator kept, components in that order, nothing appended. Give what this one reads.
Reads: 6.55
